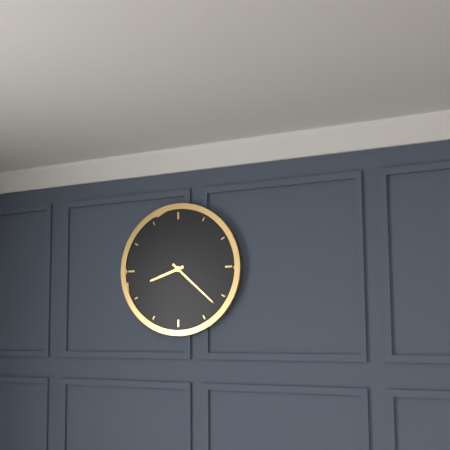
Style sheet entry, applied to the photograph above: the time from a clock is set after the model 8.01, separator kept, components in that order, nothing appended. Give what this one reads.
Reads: 8.22
